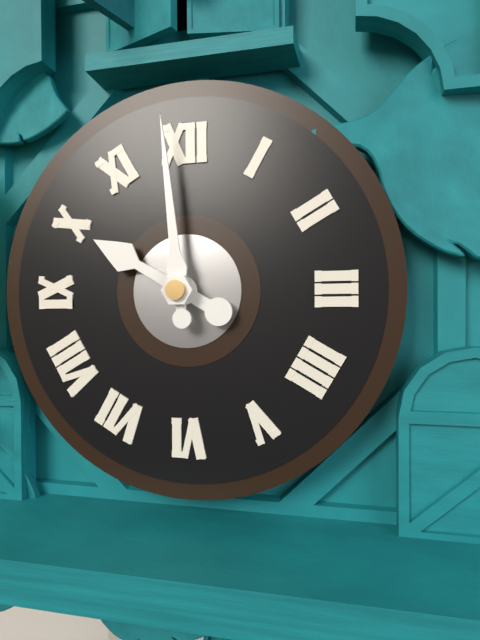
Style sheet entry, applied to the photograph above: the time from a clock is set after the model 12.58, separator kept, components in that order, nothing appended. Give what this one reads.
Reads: 9.59
